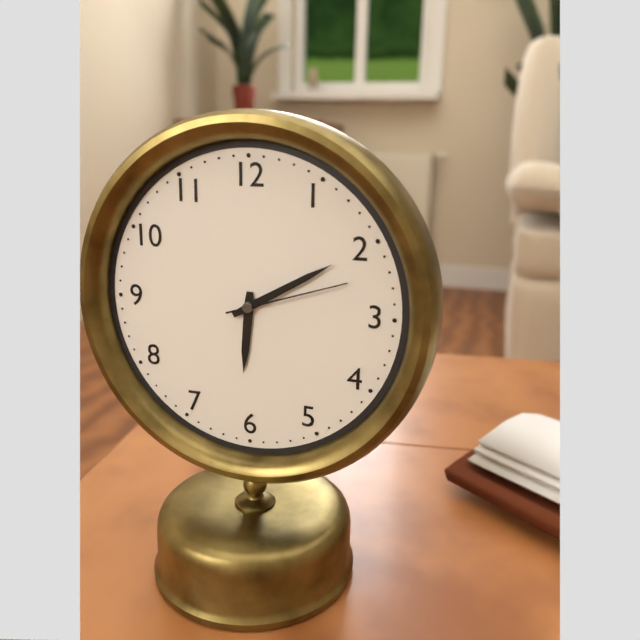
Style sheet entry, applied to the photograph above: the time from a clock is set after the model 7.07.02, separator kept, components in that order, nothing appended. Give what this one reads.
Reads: 6.10.12
